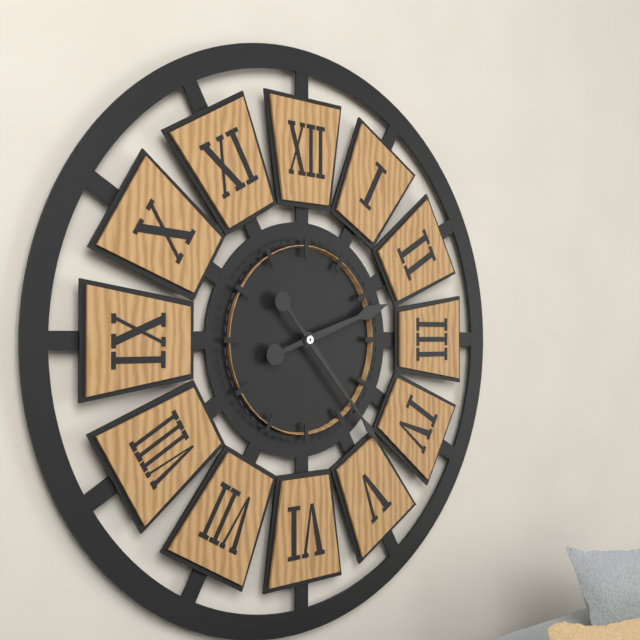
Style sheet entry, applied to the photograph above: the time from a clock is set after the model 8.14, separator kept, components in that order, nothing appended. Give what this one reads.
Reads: 2.23
